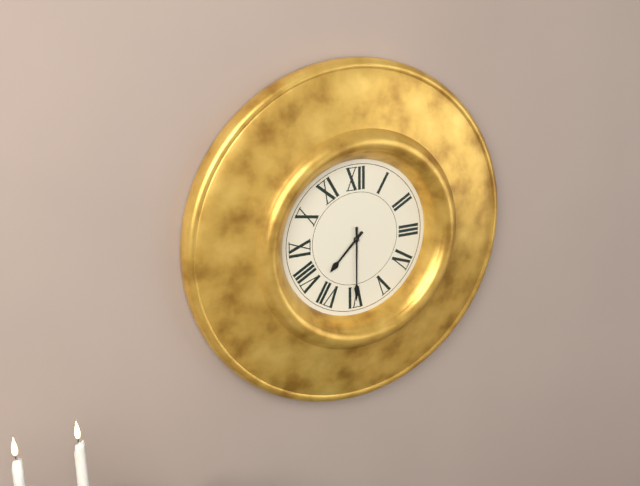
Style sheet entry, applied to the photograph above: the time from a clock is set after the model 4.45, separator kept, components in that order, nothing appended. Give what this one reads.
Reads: 7.30
